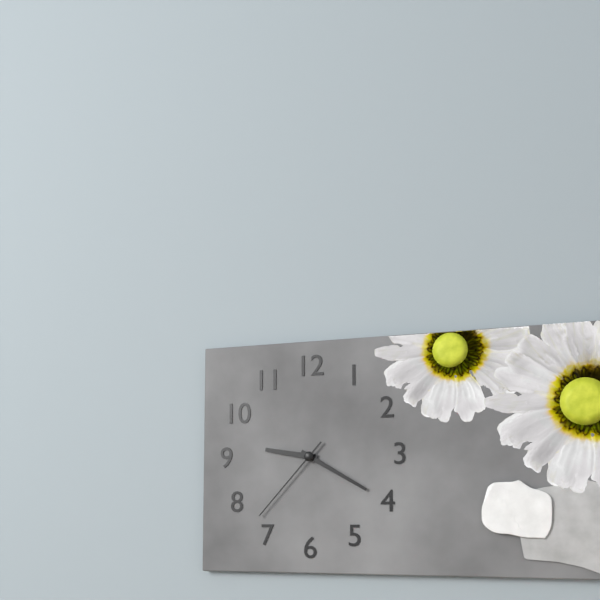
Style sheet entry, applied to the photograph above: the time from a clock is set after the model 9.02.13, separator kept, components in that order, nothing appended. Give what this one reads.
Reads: 9.20.37
